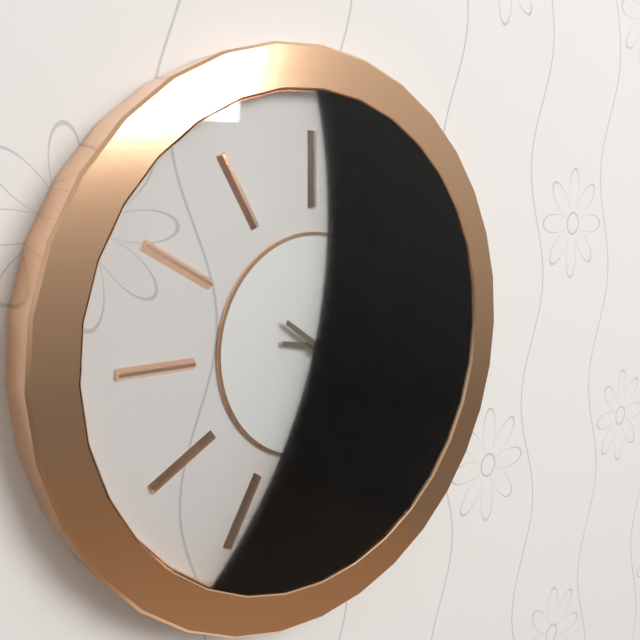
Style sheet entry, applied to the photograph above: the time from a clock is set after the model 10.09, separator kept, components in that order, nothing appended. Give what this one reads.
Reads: 3.21
